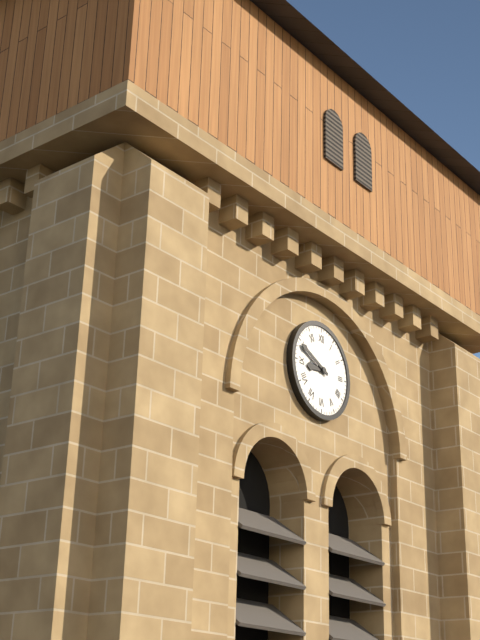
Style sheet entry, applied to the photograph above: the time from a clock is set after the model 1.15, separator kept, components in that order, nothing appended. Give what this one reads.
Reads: 8.49
